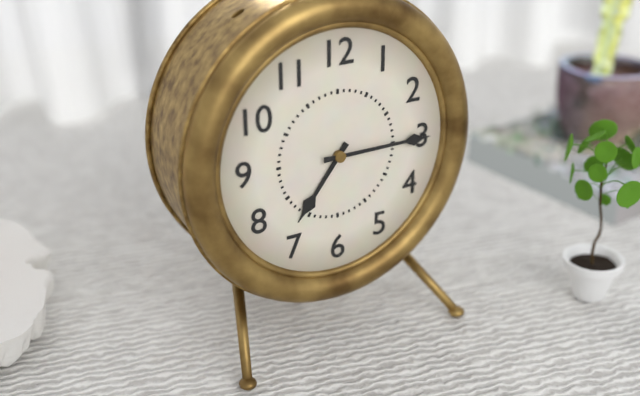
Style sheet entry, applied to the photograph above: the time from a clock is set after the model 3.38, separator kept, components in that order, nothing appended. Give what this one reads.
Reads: 7.15
